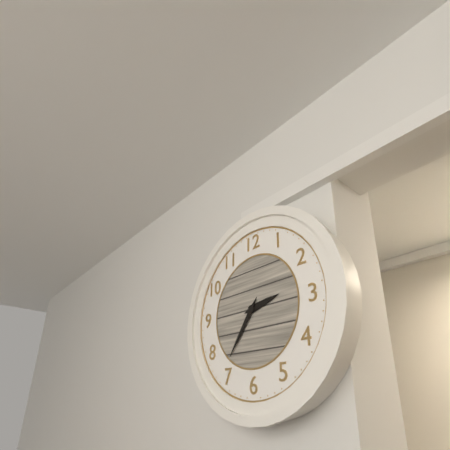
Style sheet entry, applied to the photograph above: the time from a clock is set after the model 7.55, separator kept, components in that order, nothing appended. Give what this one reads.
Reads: 2.36
